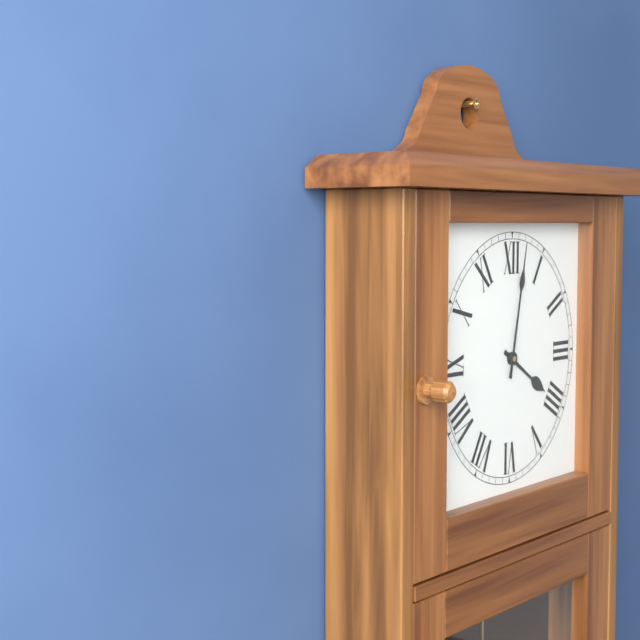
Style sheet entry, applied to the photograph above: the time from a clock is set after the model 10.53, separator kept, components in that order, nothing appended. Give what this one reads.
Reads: 4.02
